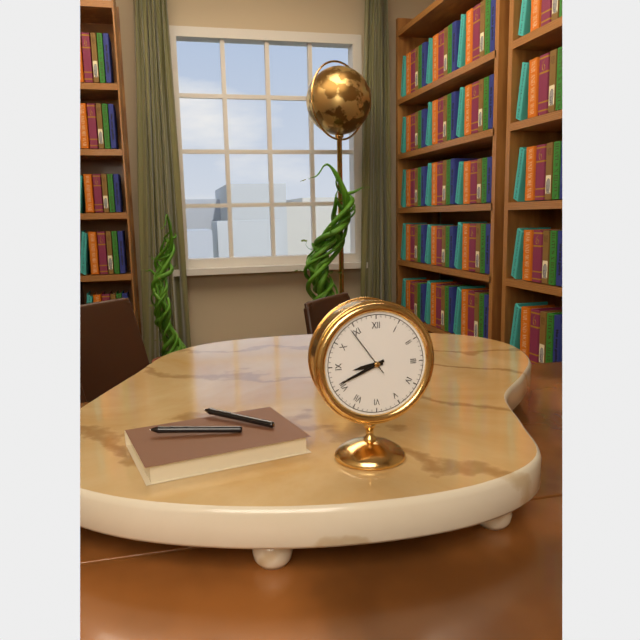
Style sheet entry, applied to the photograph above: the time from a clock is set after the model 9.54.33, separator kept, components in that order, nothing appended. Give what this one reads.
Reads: 8.41.54
